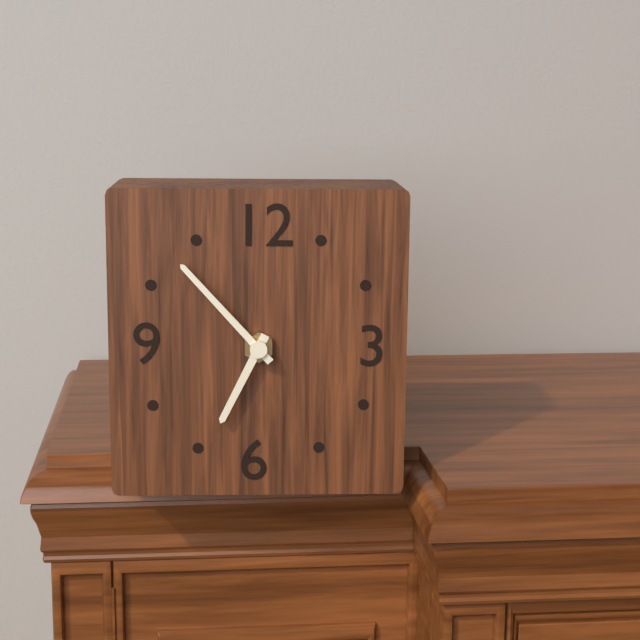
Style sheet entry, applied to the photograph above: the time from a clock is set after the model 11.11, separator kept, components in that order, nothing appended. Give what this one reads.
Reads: 6.53
